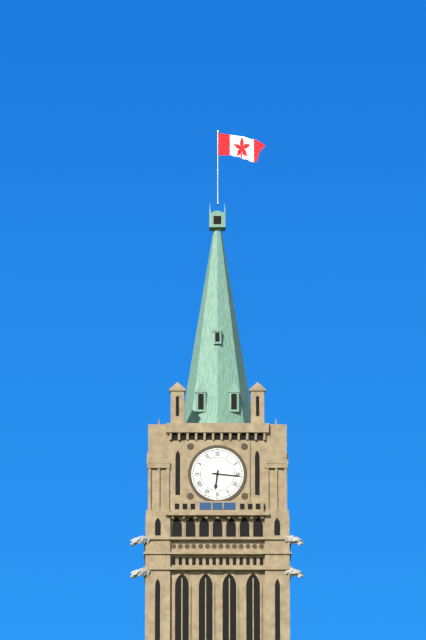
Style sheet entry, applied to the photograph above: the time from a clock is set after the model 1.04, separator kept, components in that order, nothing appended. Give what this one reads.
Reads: 6.16
